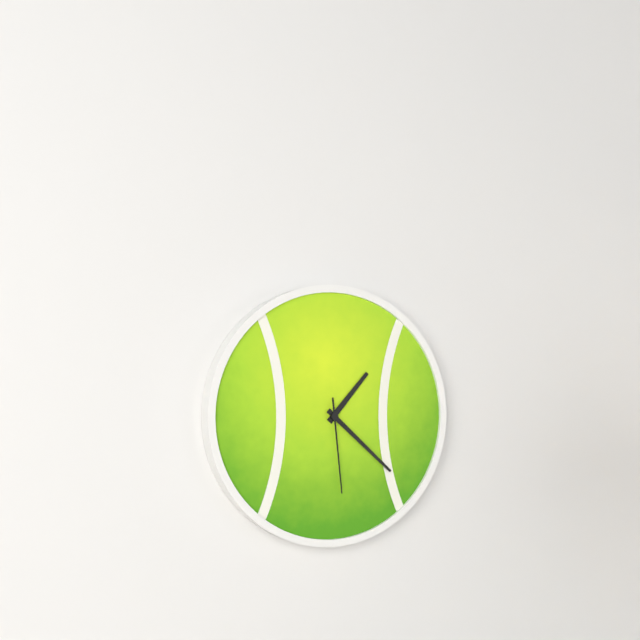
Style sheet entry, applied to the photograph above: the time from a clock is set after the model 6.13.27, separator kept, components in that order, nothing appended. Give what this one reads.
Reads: 1.22.29
